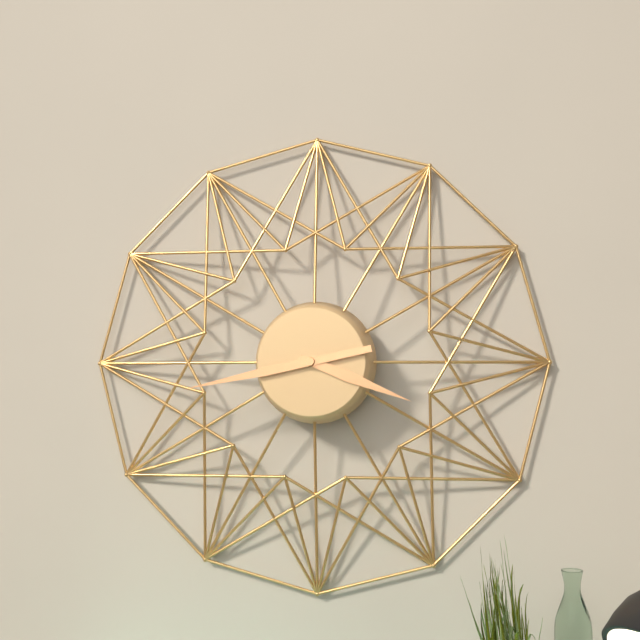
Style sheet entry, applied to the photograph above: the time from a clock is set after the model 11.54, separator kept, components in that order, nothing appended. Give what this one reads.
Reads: 3.43
